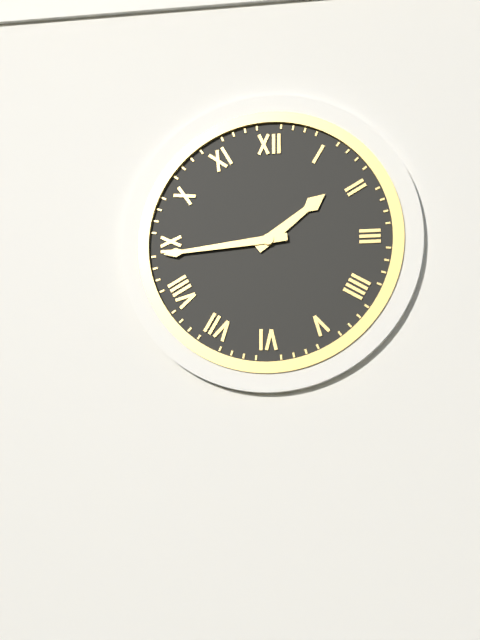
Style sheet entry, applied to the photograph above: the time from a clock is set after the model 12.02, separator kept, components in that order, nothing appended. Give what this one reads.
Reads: 1.44
